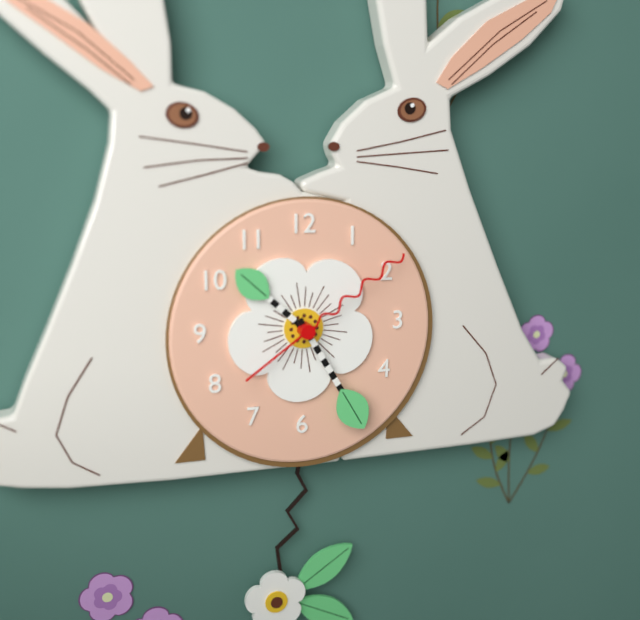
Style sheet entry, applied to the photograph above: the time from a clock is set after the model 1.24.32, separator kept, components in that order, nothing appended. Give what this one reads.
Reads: 10.25.09
